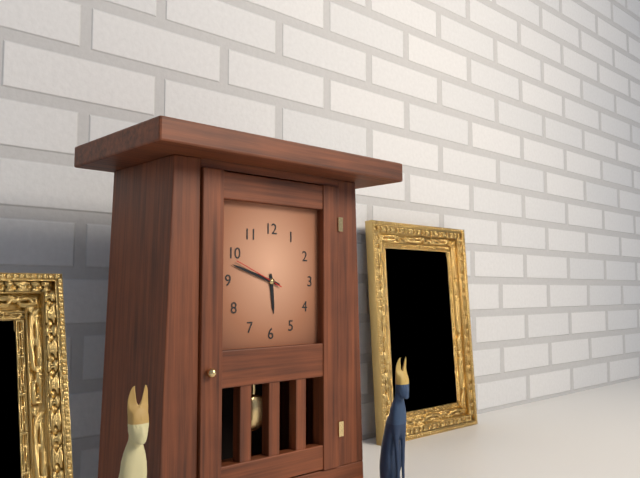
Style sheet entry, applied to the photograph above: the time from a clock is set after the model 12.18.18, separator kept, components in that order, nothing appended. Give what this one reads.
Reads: 5.48.49
